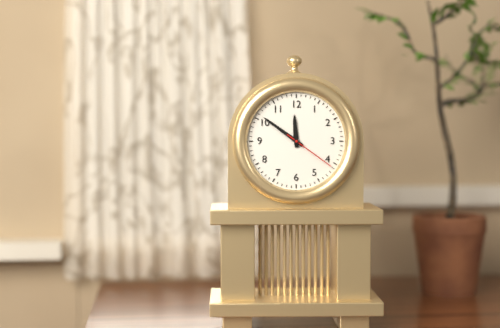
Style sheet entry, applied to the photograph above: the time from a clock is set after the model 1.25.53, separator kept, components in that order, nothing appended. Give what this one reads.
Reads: 11.51.21
